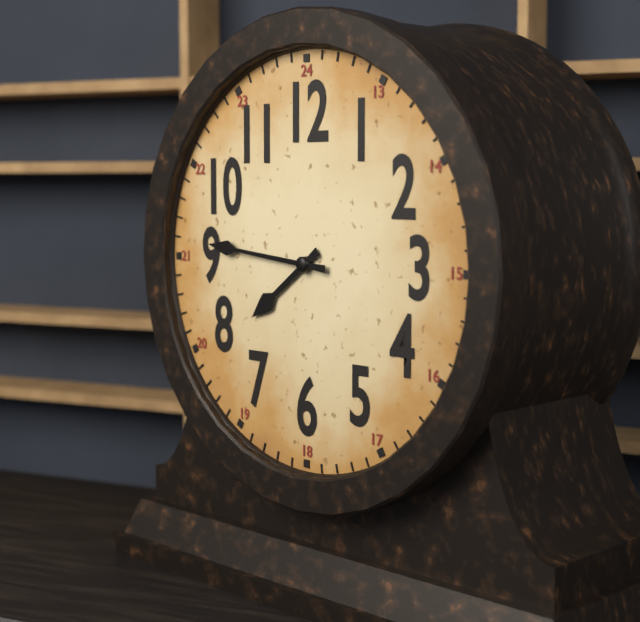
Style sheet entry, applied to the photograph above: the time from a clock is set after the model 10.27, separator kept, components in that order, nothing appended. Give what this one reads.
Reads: 7.46
